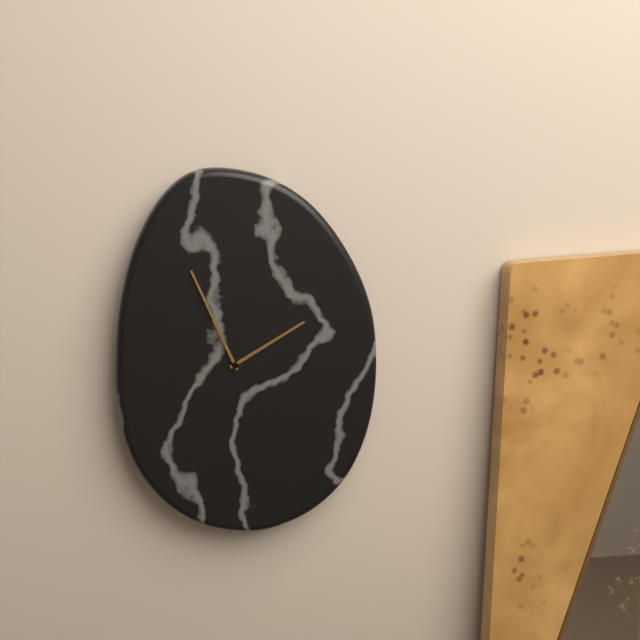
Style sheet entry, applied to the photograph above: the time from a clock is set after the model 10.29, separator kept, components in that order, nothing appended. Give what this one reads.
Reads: 1.56
